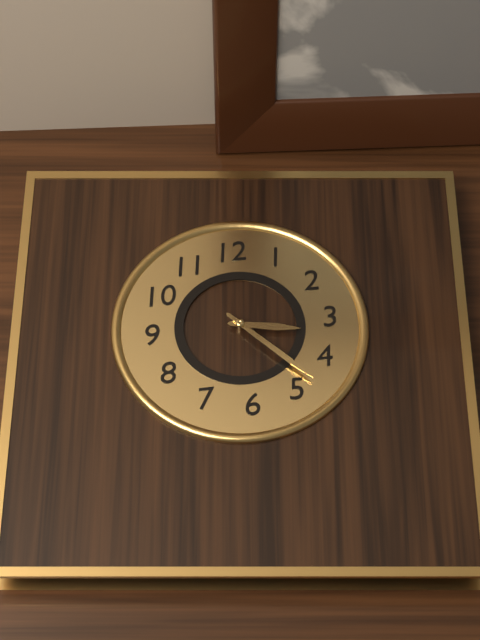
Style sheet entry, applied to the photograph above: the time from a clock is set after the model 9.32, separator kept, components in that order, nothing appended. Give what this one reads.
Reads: 3.23
